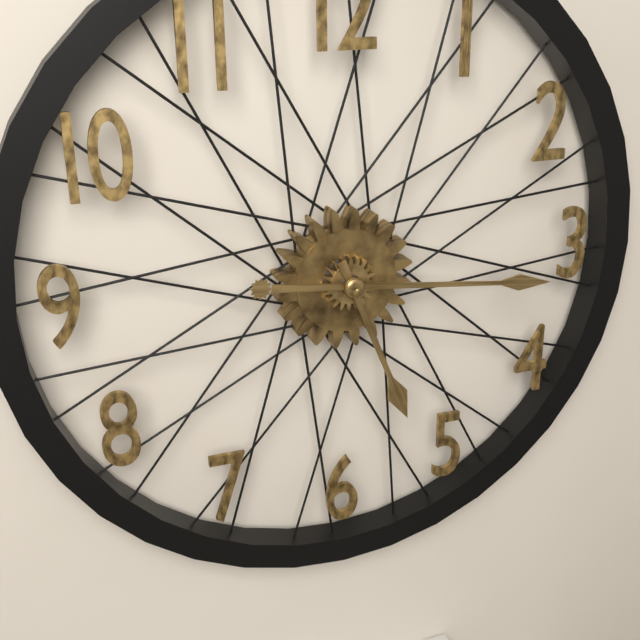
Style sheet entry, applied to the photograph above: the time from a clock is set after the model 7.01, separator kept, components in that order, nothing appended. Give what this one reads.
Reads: 5.16
